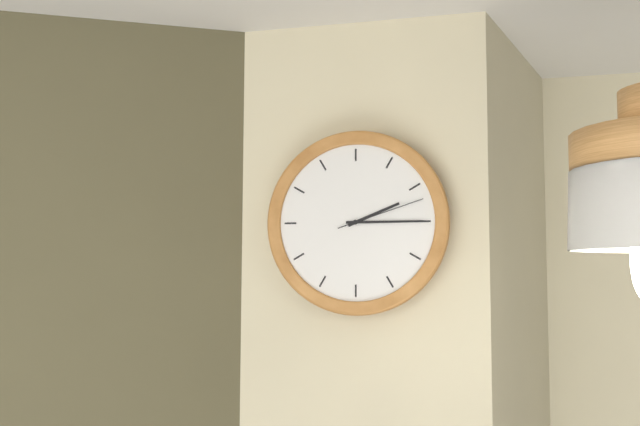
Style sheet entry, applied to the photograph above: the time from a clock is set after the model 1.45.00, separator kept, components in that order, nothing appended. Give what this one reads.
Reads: 2.15.12
